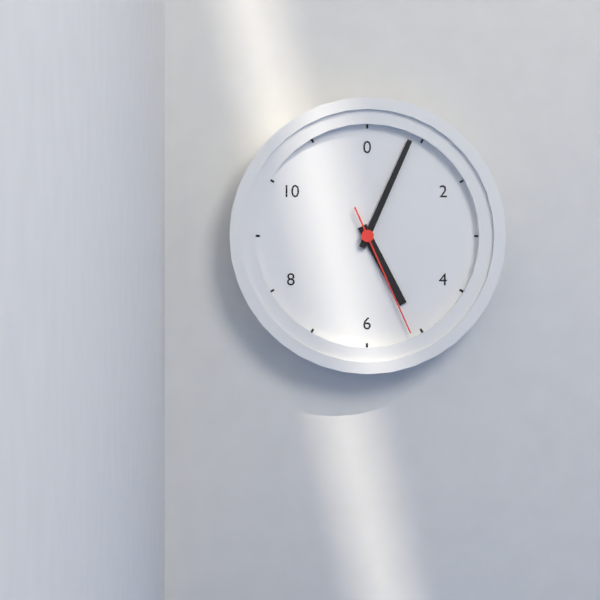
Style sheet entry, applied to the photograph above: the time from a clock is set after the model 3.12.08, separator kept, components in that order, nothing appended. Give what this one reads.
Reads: 5.04.26
